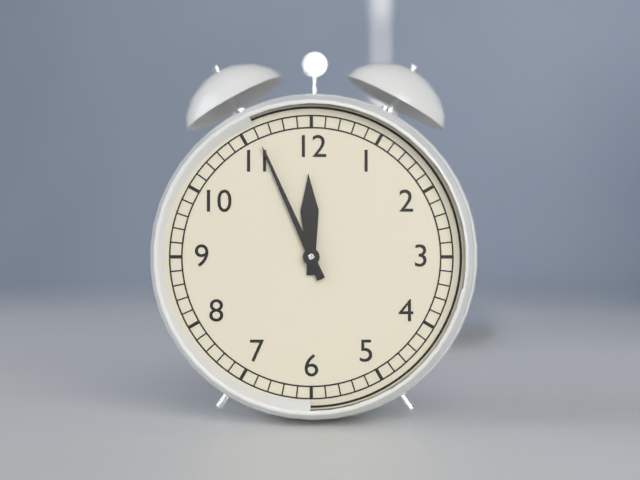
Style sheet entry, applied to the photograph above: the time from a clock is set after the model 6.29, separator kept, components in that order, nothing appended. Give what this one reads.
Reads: 11.56
